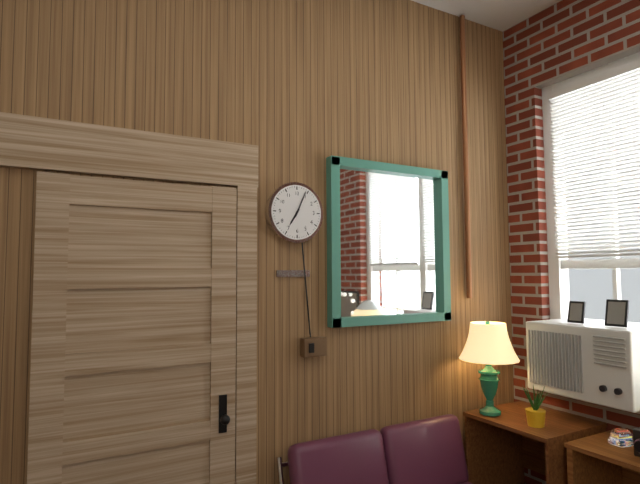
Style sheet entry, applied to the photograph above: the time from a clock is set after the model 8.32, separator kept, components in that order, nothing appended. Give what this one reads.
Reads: 7.04
